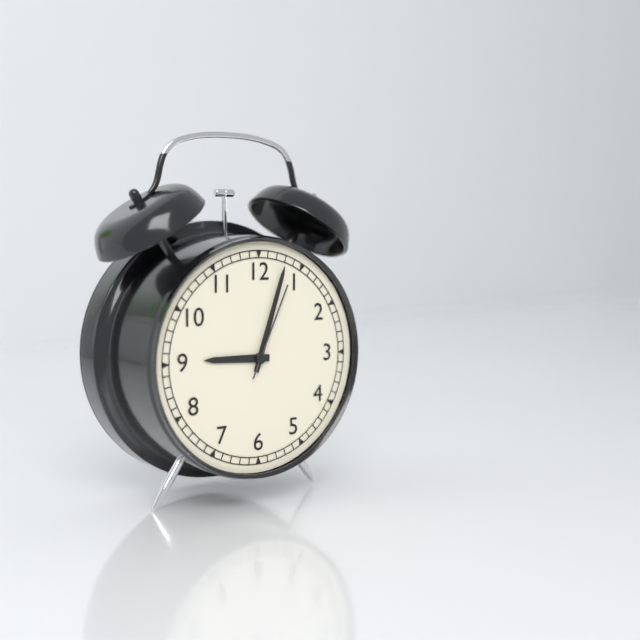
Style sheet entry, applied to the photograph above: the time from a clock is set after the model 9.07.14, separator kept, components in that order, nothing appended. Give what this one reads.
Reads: 9.03.04
